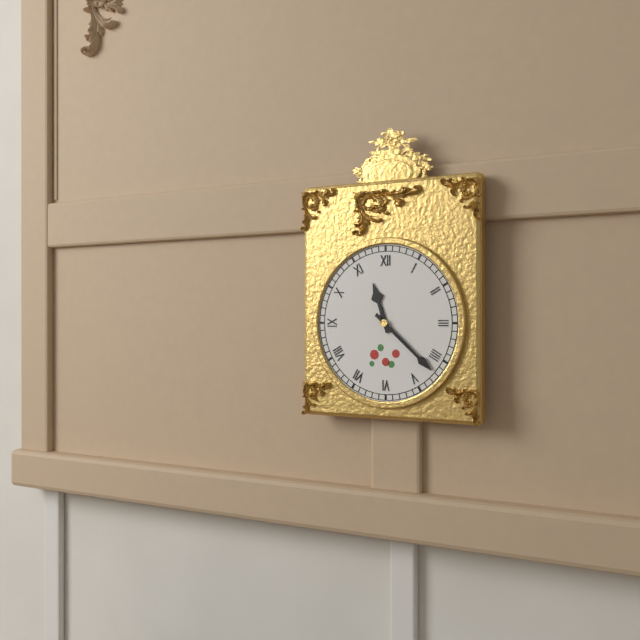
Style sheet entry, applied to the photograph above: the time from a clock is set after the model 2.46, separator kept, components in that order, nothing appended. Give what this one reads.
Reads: 11.22
